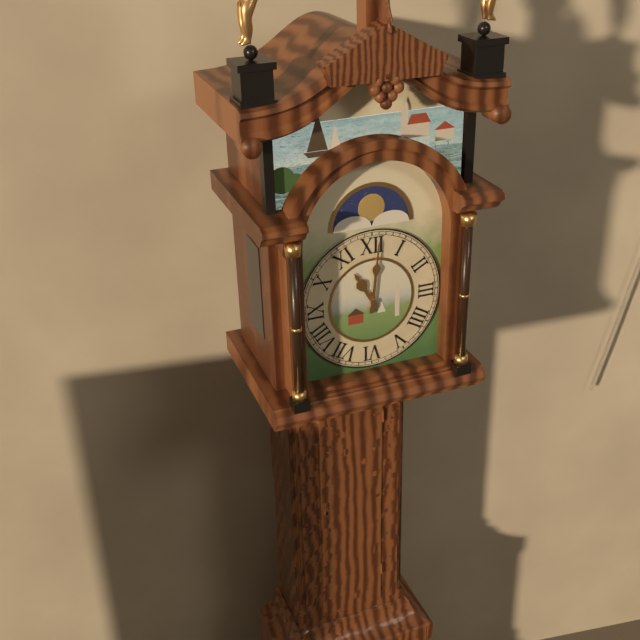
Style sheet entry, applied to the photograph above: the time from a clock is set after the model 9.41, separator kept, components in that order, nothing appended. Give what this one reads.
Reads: 11.01
